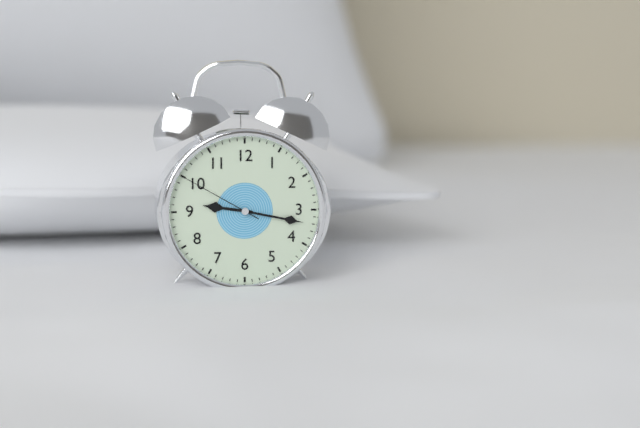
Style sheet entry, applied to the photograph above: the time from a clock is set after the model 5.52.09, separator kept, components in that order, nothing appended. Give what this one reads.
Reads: 9.17.50
